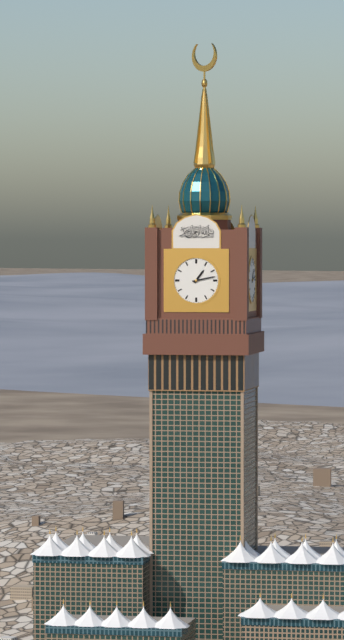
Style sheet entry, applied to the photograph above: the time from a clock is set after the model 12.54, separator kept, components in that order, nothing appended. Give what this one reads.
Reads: 1.13
